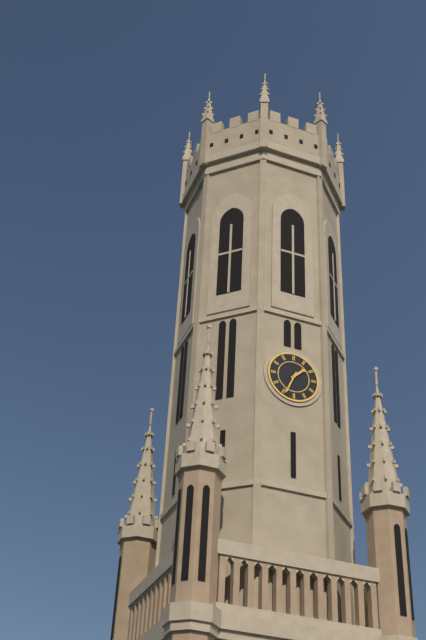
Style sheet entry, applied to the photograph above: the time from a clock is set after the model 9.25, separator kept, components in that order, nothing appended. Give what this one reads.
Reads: 1.34
